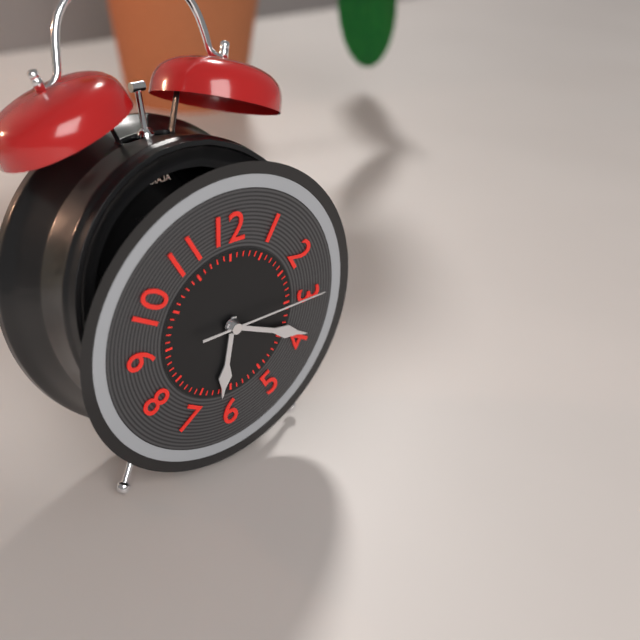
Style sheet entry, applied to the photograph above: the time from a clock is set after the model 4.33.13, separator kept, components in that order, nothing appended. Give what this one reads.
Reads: 6.19.15
